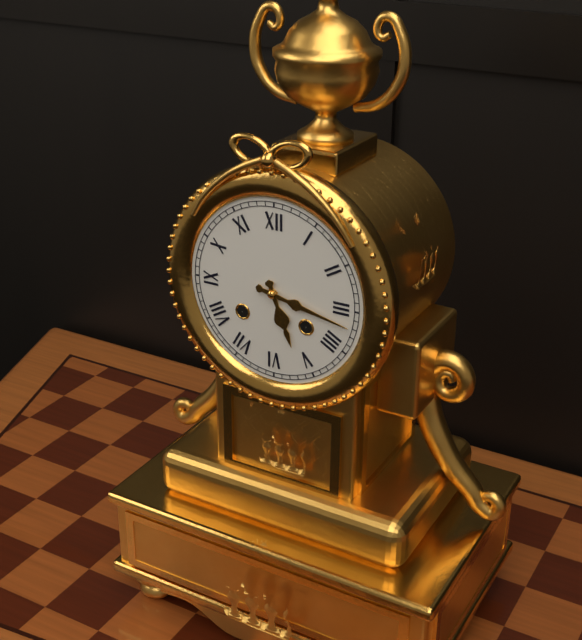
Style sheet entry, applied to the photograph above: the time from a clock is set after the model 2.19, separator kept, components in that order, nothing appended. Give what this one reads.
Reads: 5.17
